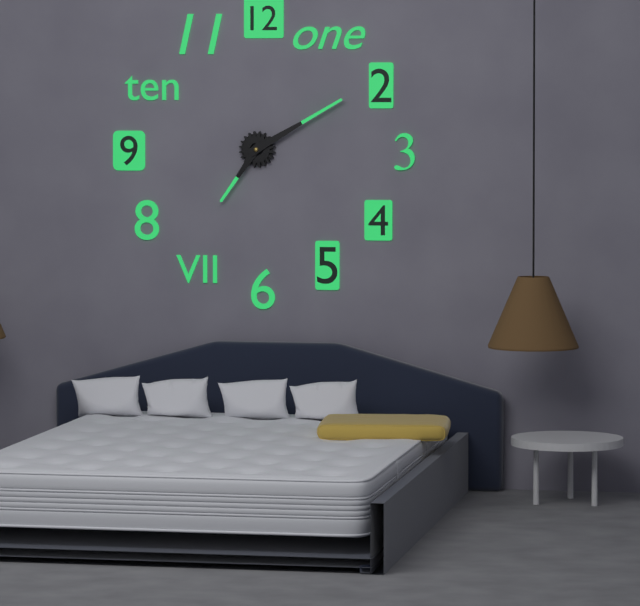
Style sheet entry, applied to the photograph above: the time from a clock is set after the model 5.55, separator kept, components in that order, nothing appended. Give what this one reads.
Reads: 7.10
